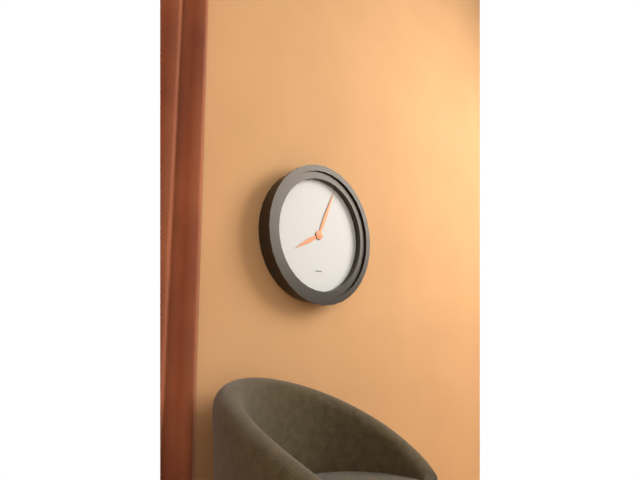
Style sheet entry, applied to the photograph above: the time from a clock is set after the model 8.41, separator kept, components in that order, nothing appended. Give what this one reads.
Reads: 8.04
